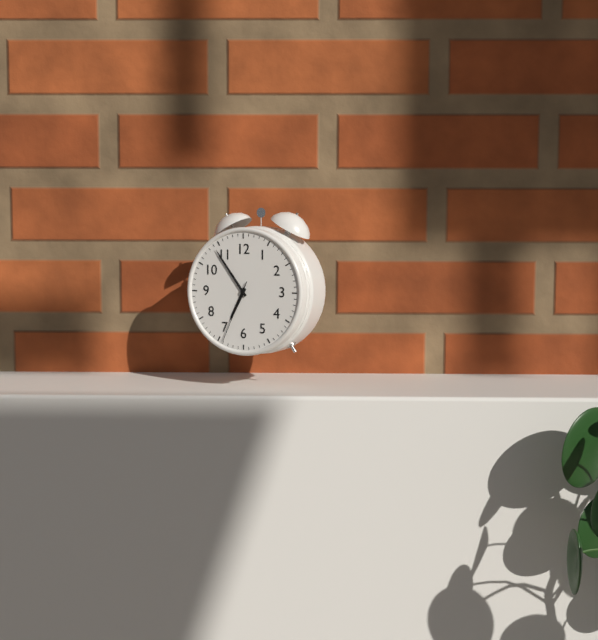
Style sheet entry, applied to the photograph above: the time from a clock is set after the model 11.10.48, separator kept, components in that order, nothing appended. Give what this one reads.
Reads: 6.54.34
